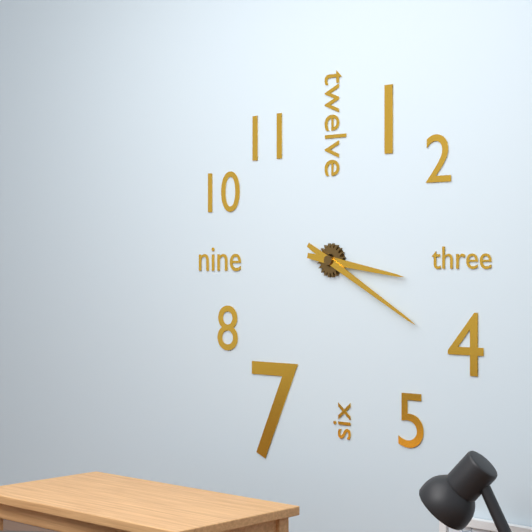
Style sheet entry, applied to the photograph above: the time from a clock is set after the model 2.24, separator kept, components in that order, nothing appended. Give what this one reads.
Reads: 3.20
